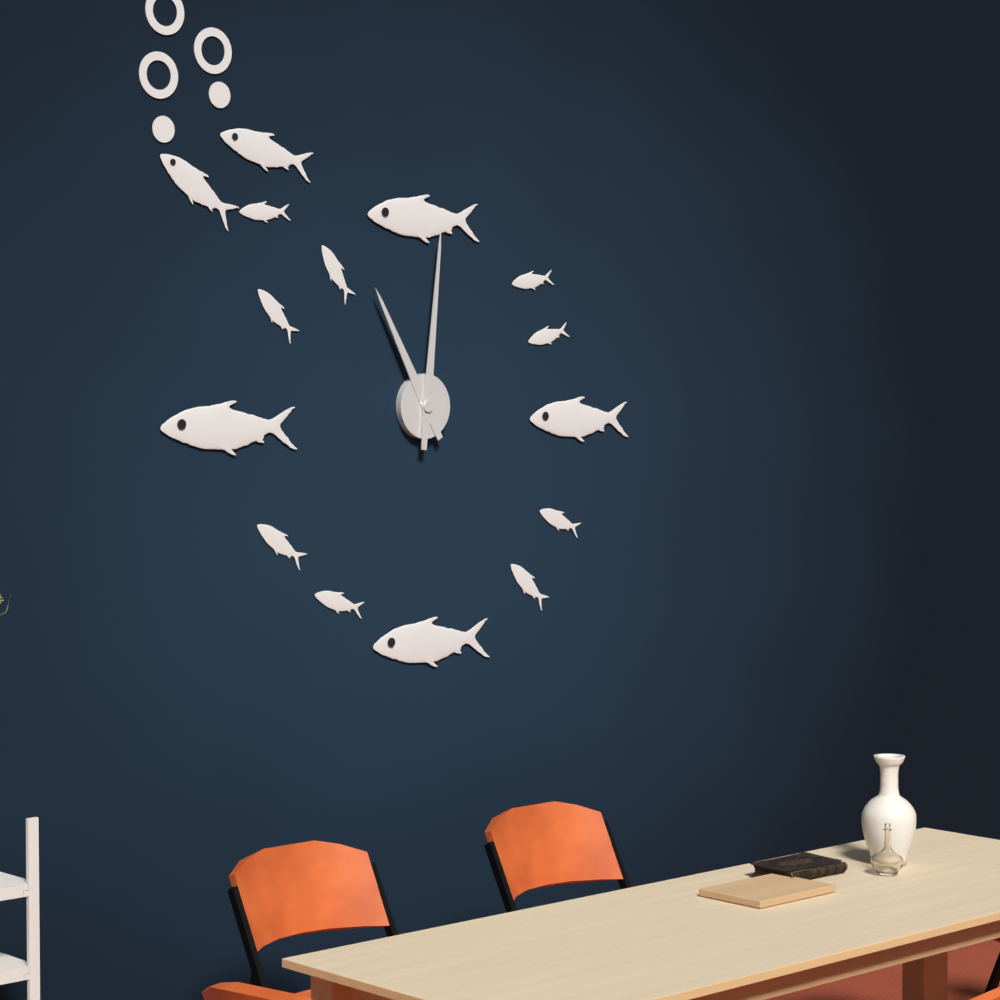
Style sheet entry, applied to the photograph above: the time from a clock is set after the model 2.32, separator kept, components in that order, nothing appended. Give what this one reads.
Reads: 11.01
